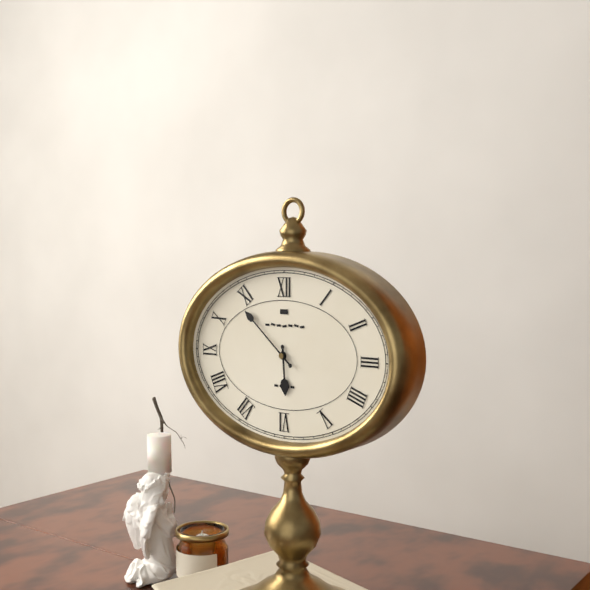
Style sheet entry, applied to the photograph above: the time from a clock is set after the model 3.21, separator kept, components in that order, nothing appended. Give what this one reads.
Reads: 5.52
